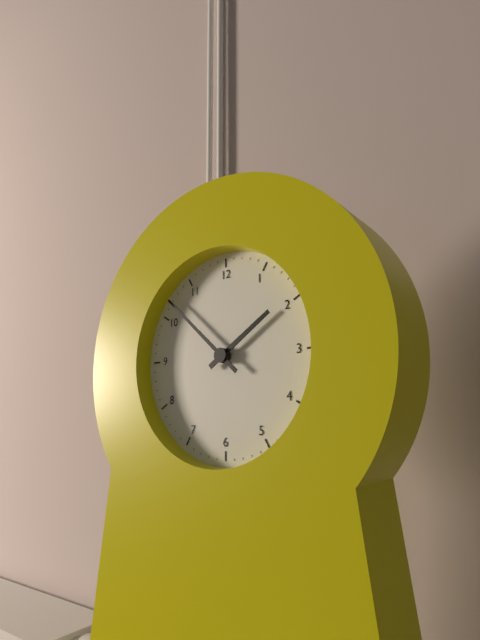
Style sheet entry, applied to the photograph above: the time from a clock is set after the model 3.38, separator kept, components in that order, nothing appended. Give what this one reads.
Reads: 1.52
